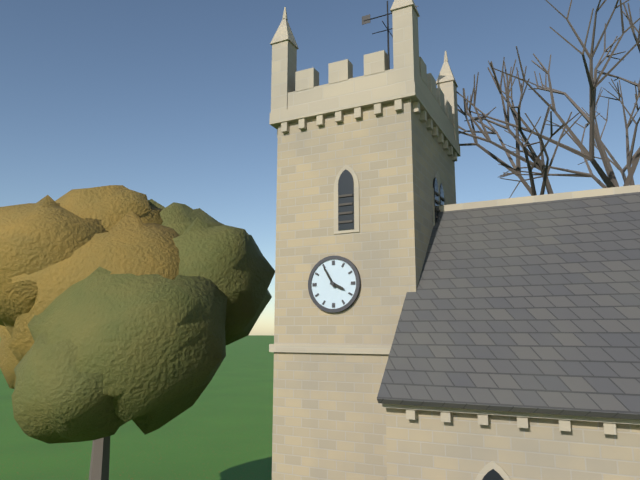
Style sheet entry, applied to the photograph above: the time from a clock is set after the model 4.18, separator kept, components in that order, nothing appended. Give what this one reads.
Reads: 3.55
